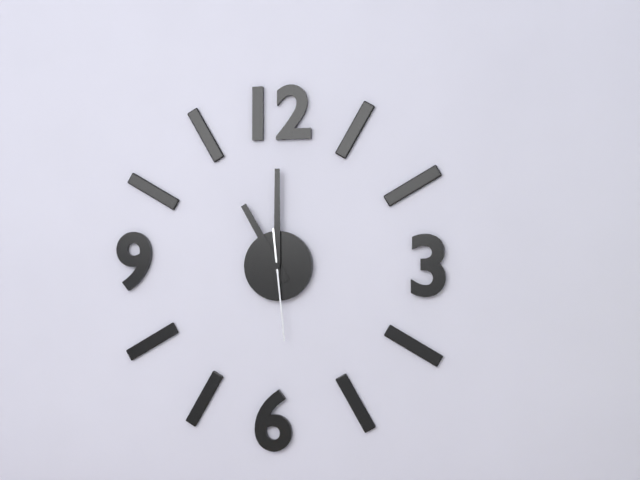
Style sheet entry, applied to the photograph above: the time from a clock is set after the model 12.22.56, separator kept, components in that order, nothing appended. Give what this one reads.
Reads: 11.00.29
